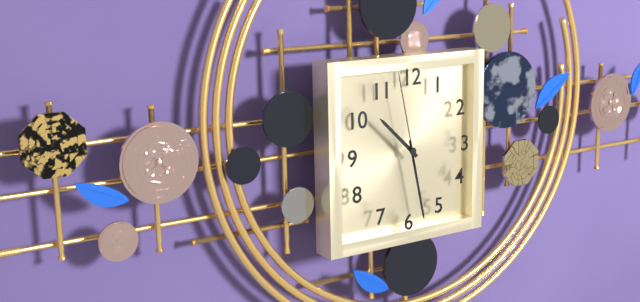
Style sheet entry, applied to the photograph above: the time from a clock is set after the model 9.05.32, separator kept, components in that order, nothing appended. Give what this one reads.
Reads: 10.28.58
